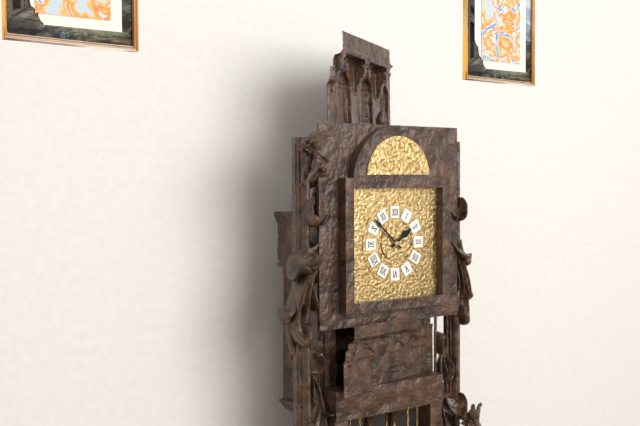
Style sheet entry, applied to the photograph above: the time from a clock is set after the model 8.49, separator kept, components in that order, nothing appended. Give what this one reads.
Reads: 1.52
